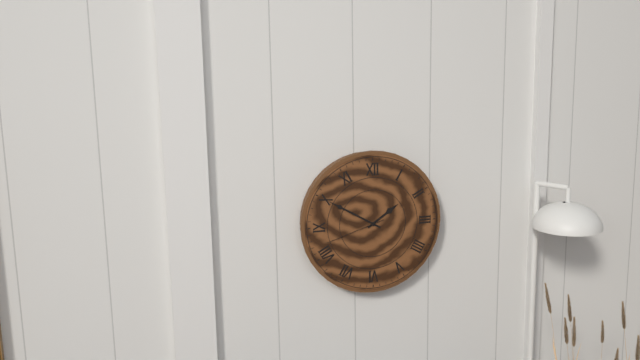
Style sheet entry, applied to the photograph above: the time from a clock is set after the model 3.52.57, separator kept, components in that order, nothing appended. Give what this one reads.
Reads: 1.50.42
